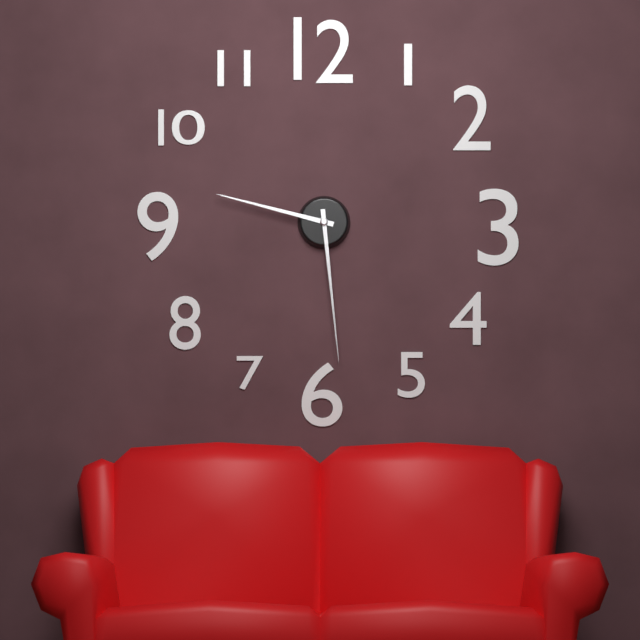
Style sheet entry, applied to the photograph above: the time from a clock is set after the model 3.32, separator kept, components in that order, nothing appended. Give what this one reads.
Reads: 9.29
